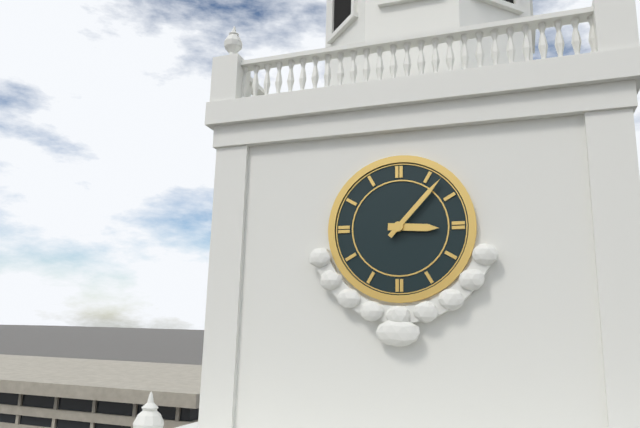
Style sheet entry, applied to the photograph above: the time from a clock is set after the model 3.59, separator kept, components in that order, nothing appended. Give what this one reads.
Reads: 3.07
